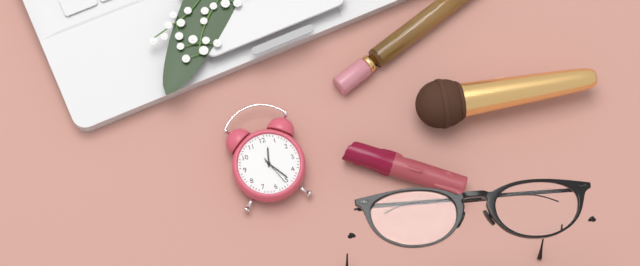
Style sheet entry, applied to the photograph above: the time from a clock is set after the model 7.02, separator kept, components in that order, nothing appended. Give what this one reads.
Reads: 12.24
